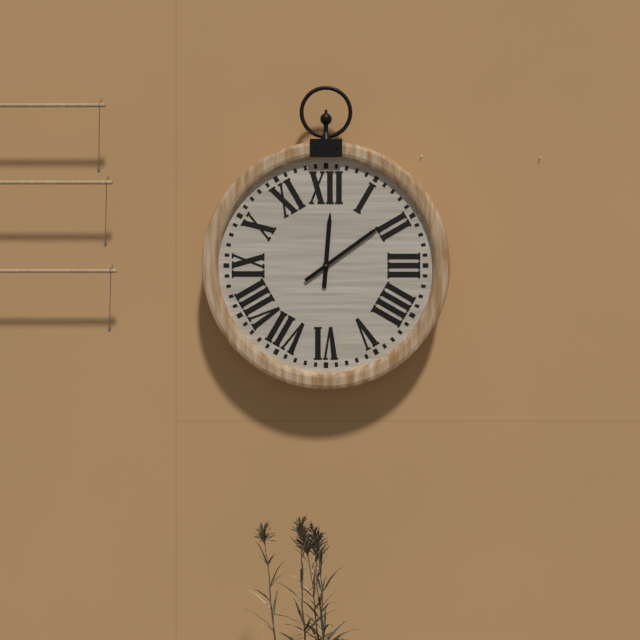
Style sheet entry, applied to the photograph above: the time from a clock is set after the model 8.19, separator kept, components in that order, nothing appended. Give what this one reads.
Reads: 12.09
